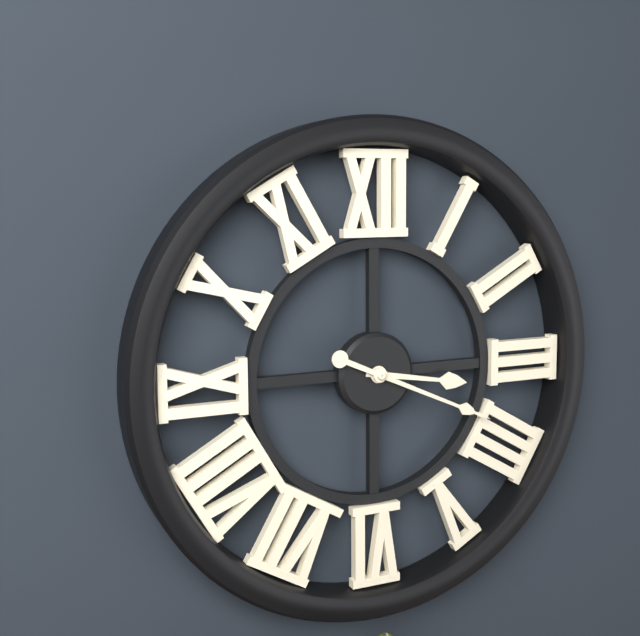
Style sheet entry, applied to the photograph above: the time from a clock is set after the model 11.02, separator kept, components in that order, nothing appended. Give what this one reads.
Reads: 3.19
